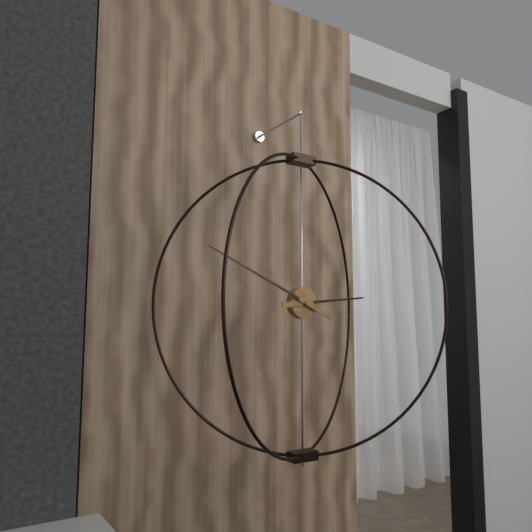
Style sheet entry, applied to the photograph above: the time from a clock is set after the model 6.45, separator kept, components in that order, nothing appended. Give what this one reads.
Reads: 2.49
